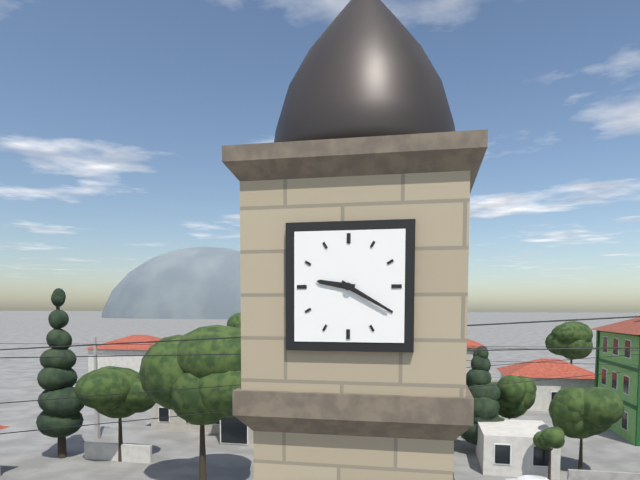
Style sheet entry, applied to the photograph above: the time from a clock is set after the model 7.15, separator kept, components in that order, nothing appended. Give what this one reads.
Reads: 9.20
